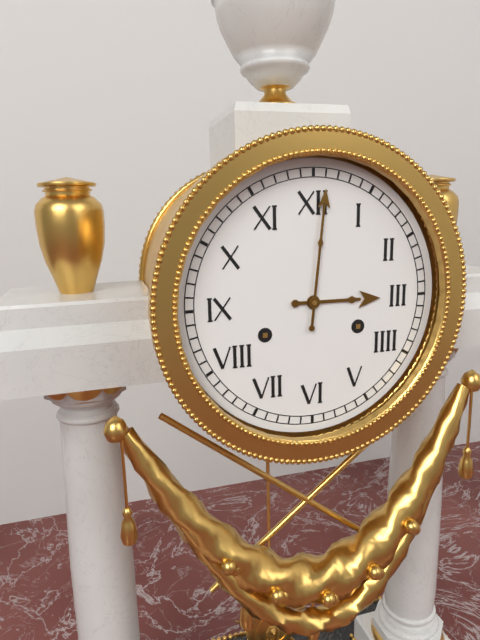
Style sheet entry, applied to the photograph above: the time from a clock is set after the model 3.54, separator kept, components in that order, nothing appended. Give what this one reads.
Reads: 3.01
